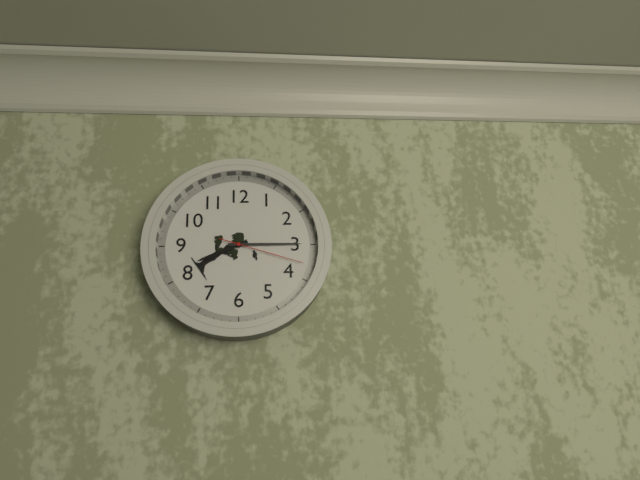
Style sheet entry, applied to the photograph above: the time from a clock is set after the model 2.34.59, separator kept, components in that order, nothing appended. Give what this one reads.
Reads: 8.15.18
